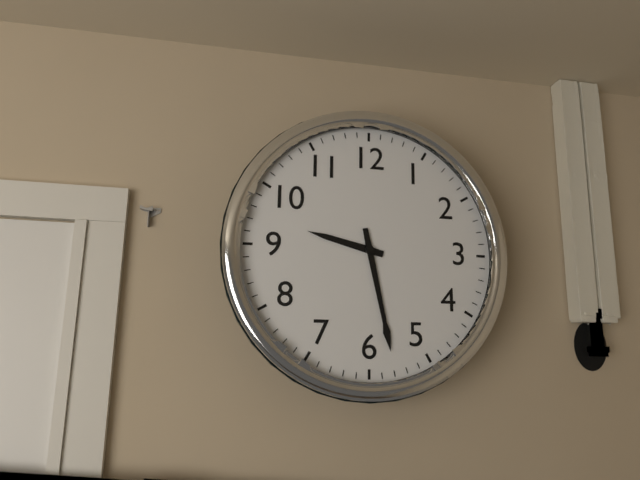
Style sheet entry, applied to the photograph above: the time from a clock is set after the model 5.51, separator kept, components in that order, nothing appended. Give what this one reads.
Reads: 9.28
